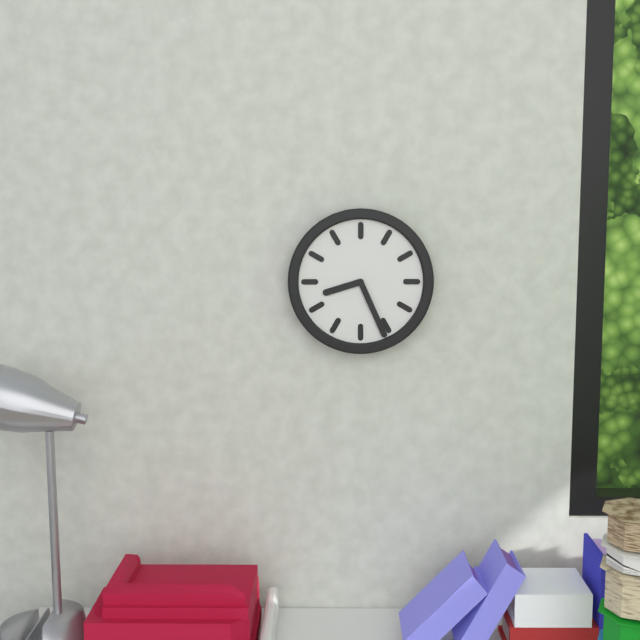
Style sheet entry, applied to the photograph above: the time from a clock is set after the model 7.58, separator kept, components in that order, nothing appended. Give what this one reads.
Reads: 8.26
